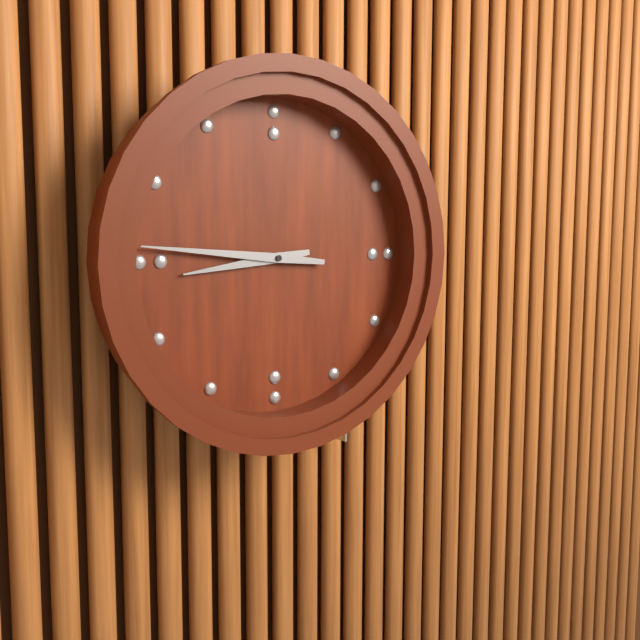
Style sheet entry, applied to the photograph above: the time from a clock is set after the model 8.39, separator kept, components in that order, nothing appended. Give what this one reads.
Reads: 8.46
